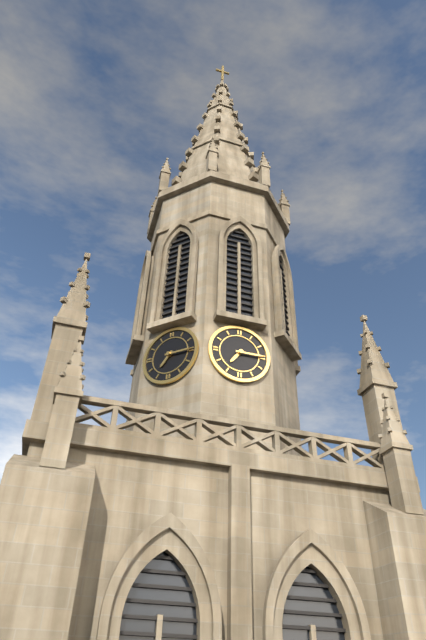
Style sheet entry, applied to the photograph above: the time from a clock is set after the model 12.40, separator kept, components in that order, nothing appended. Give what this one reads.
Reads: 7.15
